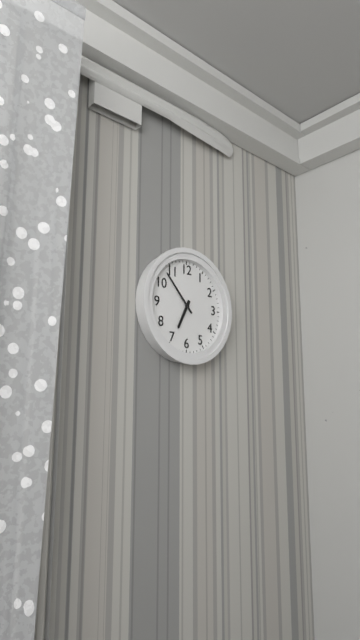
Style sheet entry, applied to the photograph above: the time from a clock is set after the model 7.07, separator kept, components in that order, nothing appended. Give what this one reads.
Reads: 6.53
